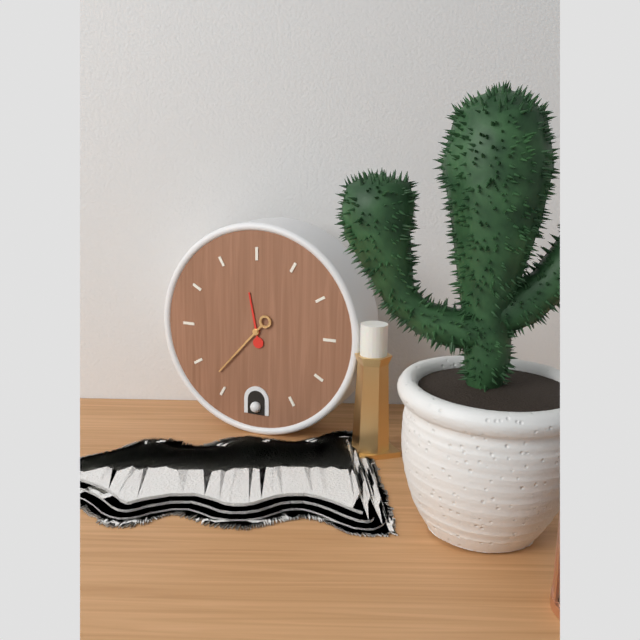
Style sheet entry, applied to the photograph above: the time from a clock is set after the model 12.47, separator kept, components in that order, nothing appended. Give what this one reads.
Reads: 11.37
